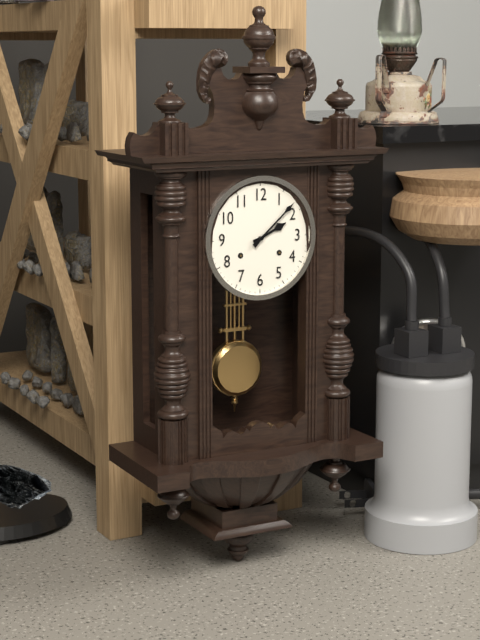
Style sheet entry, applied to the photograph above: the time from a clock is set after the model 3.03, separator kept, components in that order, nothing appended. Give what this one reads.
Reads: 2.08
